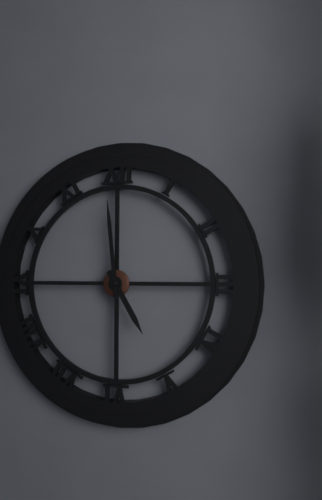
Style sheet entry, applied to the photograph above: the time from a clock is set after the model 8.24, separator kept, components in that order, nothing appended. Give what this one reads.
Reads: 4.59
